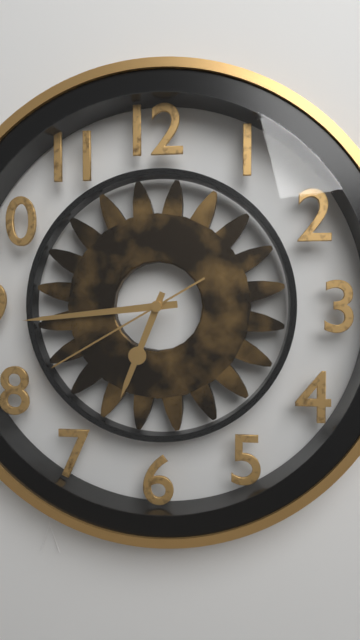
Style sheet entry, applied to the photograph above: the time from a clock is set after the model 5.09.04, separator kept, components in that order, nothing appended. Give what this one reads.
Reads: 6.44.40
